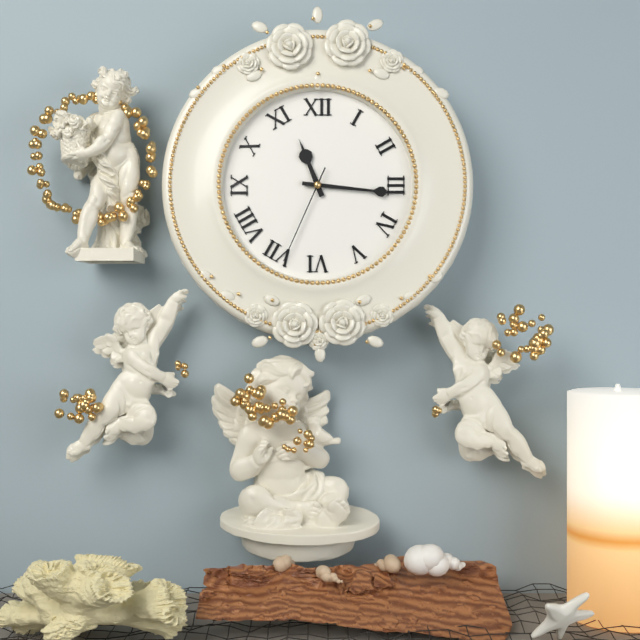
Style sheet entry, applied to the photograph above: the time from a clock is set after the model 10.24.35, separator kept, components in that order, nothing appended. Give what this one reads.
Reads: 11.16.34
